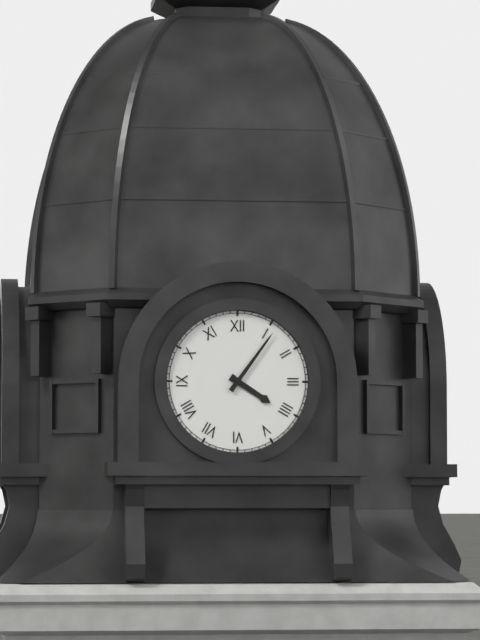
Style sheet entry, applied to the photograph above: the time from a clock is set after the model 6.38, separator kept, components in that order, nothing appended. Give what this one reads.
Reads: 4.06
